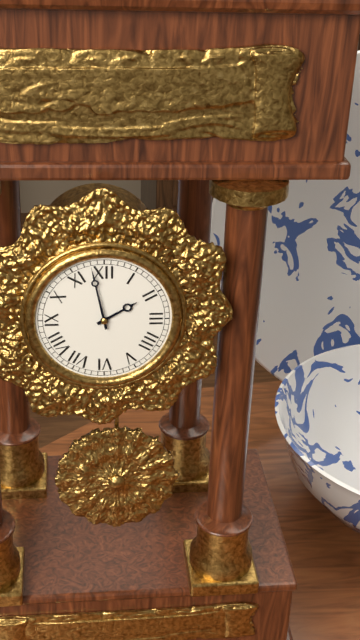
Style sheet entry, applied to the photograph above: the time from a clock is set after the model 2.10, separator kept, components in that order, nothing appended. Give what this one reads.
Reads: 1.58
